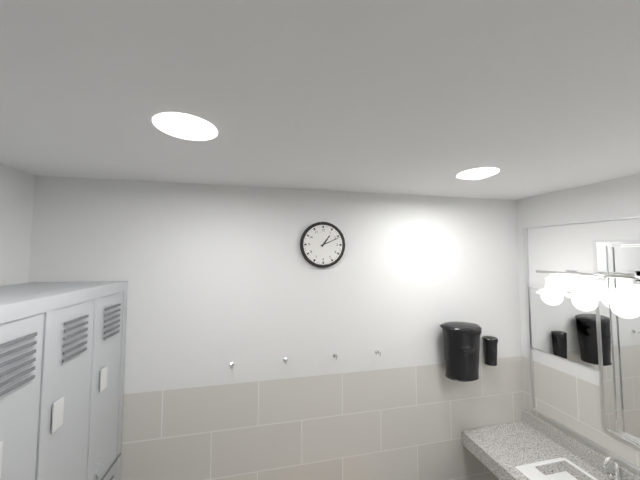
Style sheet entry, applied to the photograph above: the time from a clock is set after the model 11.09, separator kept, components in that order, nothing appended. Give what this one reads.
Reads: 1.11
